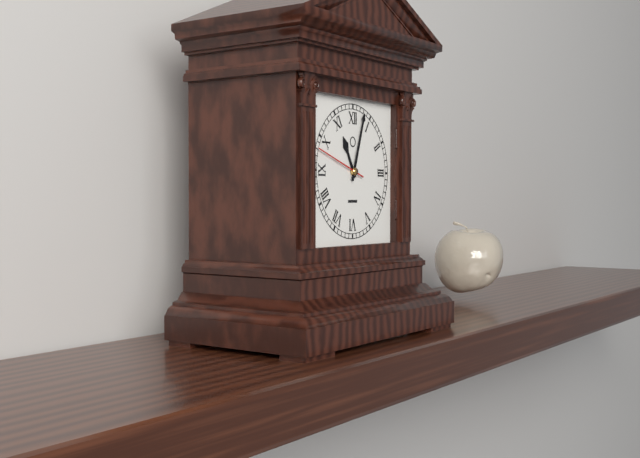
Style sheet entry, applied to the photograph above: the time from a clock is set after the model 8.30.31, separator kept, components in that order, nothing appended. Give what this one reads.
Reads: 11.03.48
